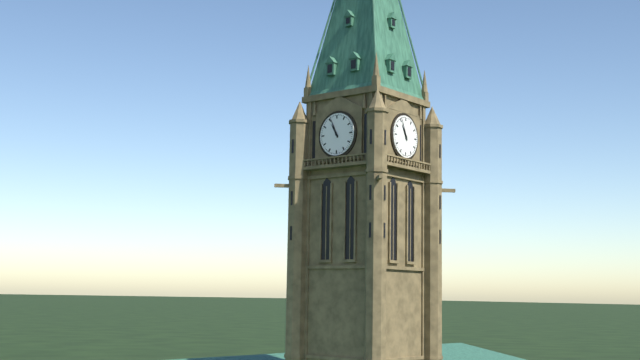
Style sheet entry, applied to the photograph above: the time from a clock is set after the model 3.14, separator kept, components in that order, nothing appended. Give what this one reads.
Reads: 10.56
